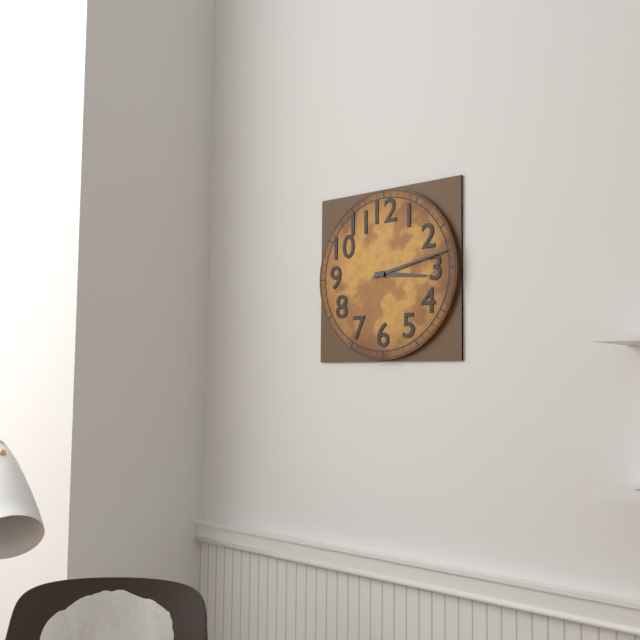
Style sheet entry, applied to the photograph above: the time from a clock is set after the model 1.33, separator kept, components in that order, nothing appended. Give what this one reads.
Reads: 3.13
